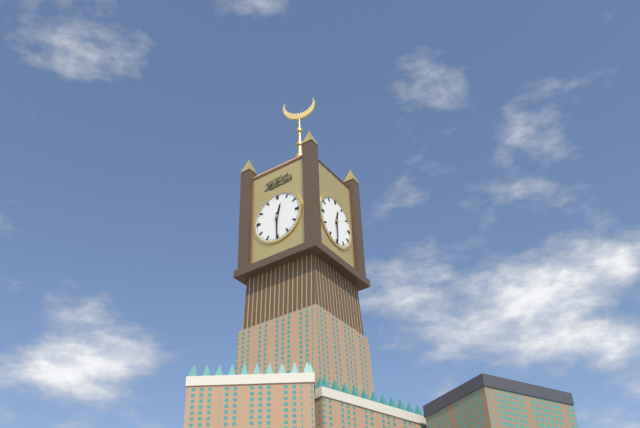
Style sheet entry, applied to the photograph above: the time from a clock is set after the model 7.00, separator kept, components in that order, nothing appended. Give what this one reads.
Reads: 12.30
